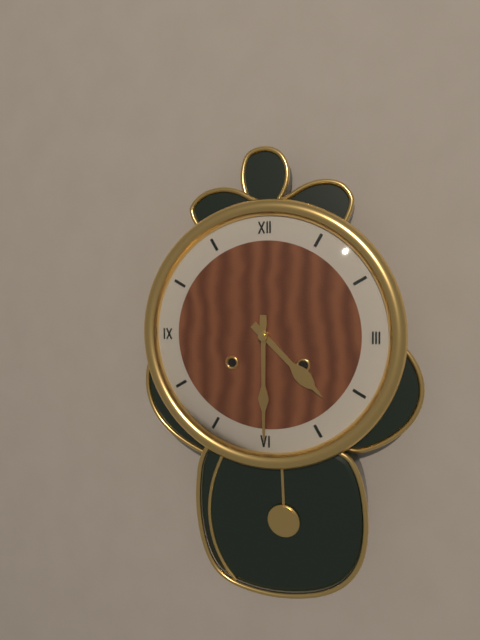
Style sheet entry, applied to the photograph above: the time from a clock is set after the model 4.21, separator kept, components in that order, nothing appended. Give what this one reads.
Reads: 4.30
